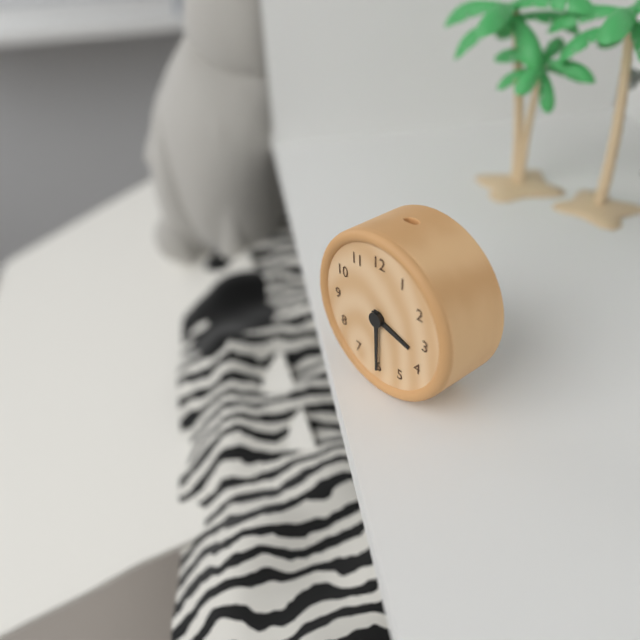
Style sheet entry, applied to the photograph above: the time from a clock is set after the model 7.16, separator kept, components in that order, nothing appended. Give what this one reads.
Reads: 3.30
